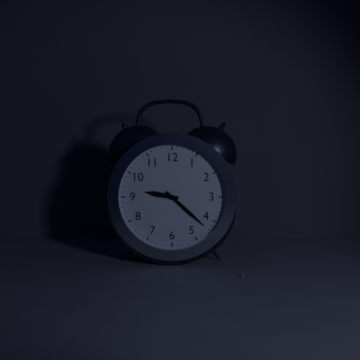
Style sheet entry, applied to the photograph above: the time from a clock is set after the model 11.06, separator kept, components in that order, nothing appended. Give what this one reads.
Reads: 9.22
